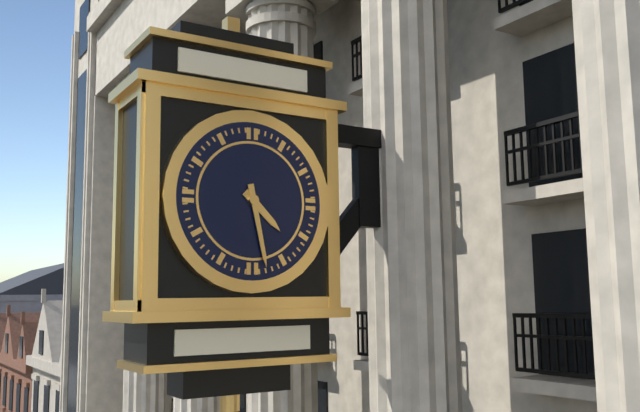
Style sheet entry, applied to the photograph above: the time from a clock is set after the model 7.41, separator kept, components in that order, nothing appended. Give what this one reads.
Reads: 4.28
